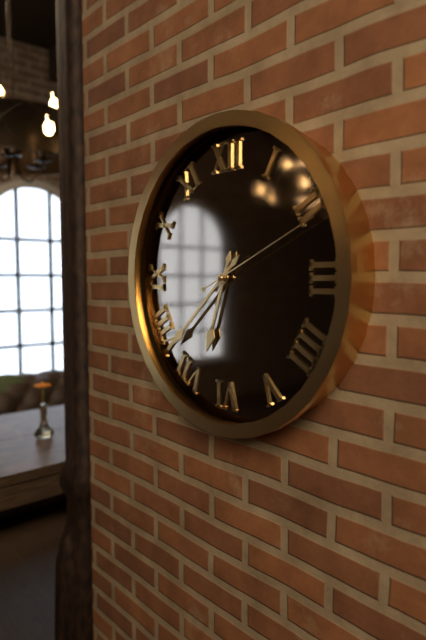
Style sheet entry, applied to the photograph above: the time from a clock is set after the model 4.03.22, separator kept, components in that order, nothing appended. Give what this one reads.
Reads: 6.38.11
